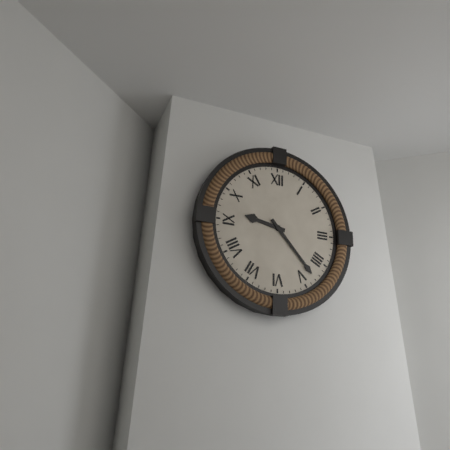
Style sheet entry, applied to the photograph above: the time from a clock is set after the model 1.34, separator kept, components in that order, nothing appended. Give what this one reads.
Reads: 9.23
